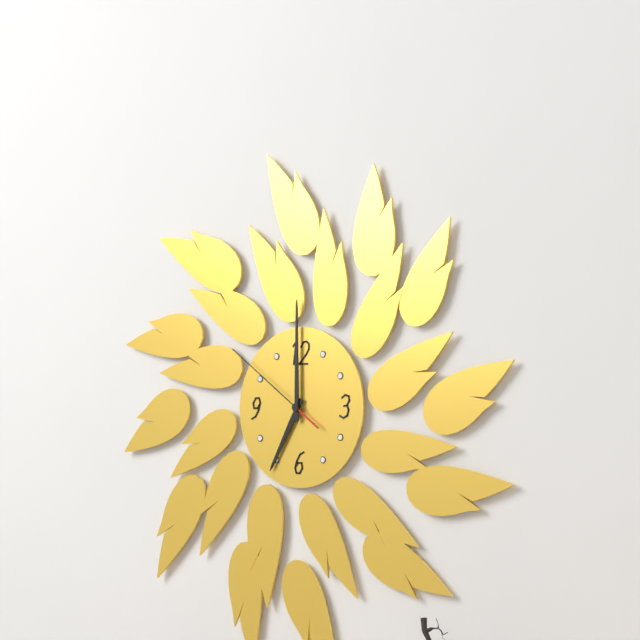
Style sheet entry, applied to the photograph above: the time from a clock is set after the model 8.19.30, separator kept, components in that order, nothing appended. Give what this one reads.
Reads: 7.00.51
